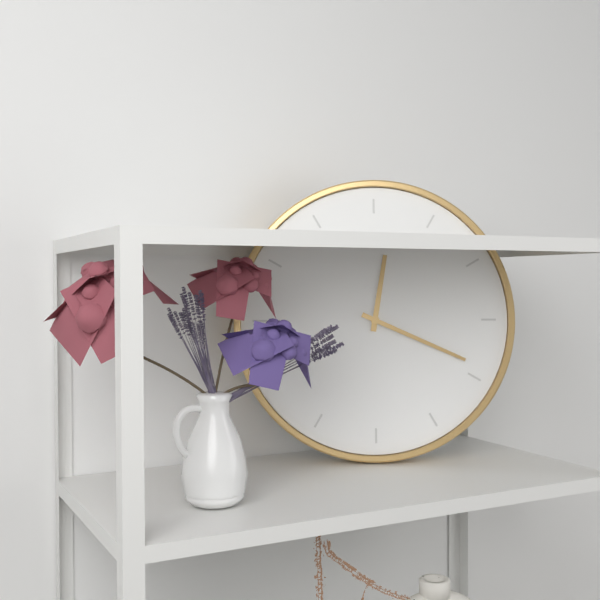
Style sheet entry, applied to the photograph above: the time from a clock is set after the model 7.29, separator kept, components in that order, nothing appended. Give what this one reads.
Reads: 12.19
